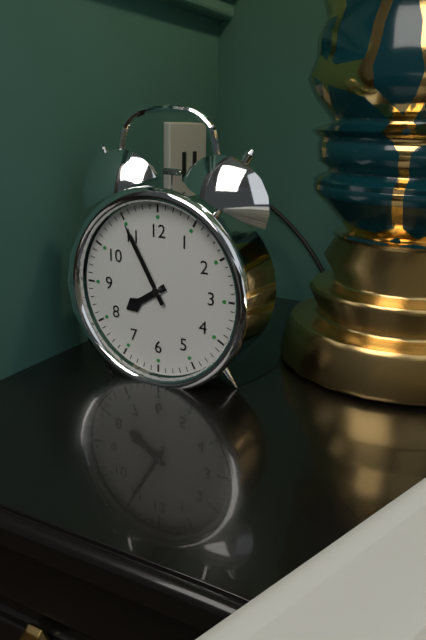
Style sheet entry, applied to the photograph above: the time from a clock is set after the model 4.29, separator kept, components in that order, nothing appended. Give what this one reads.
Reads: 7.55
